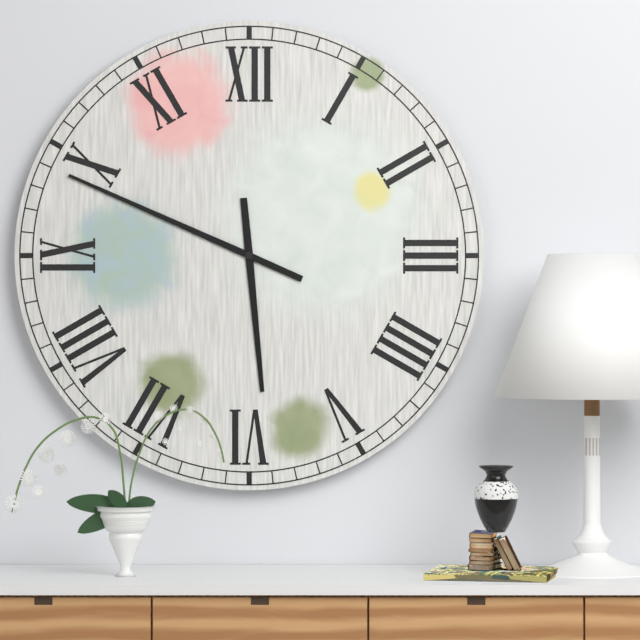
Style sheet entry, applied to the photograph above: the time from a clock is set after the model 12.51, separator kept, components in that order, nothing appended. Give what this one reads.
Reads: 5.49
